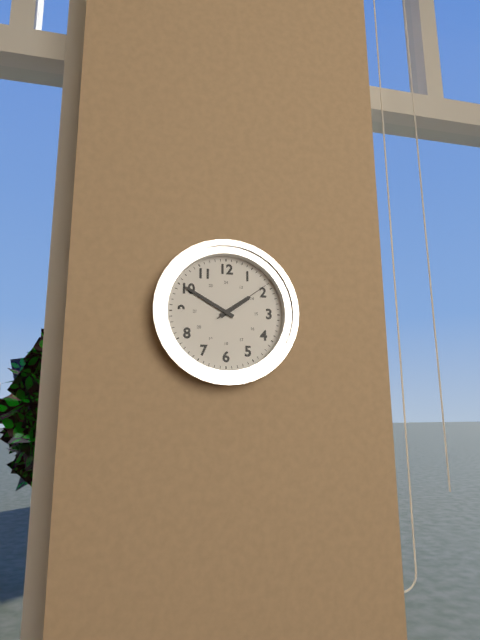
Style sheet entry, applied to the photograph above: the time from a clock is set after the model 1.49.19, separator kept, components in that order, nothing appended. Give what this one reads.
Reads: 1.50.09
